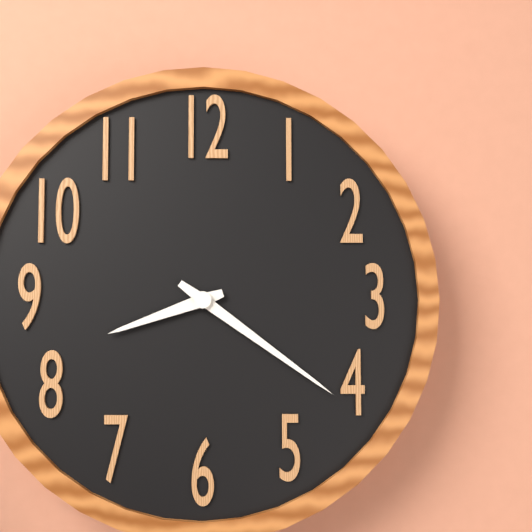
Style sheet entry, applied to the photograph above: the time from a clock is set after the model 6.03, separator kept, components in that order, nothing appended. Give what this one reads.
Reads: 8.21
